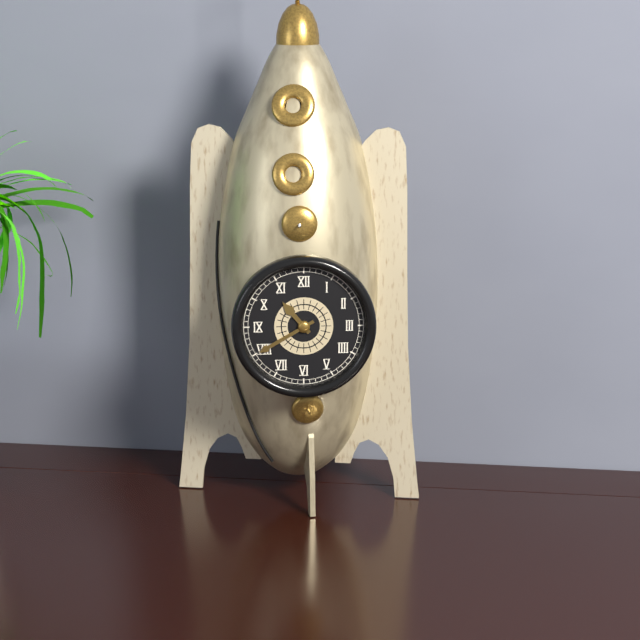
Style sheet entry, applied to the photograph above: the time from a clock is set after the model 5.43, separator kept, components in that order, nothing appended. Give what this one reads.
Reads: 10.40
